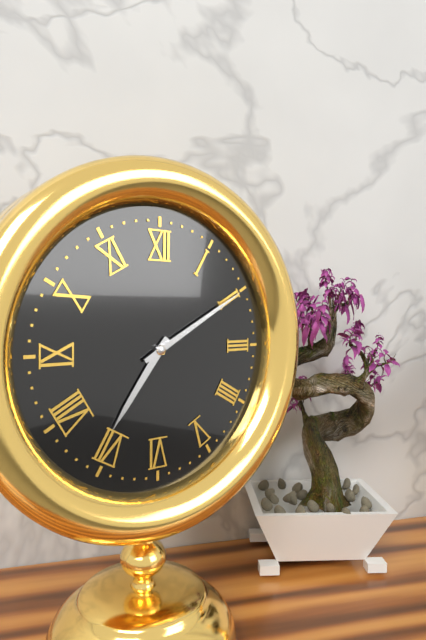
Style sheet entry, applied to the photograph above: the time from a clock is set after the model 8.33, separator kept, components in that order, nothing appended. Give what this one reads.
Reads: 7.10
